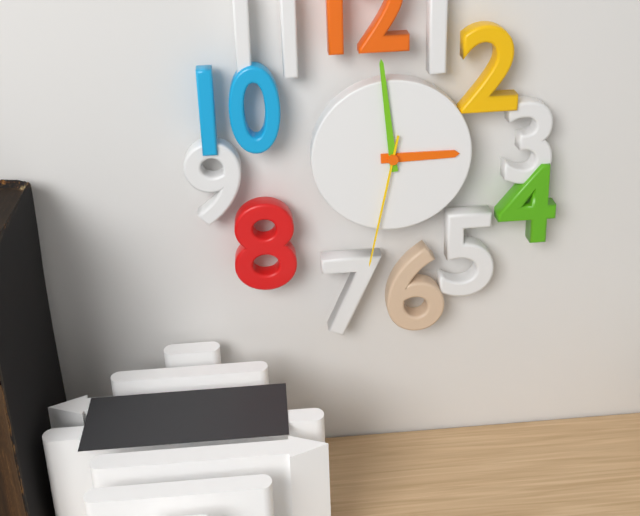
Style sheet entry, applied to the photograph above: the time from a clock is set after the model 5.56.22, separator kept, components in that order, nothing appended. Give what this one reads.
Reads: 2.59.32
